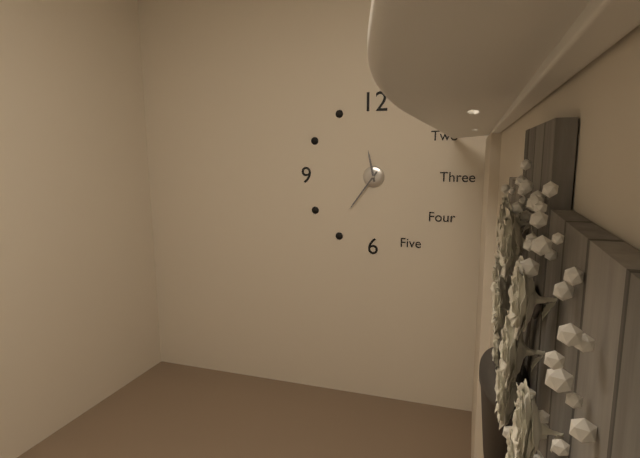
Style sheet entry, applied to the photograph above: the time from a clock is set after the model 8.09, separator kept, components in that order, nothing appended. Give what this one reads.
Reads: 11.36
